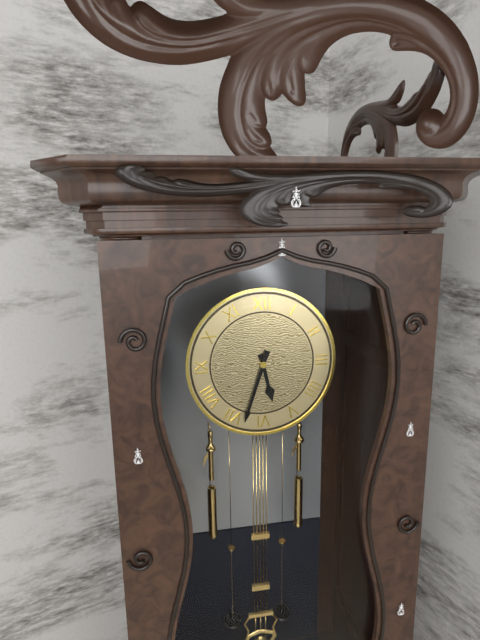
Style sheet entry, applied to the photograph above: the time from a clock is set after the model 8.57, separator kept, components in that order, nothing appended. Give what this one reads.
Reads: 5.33
